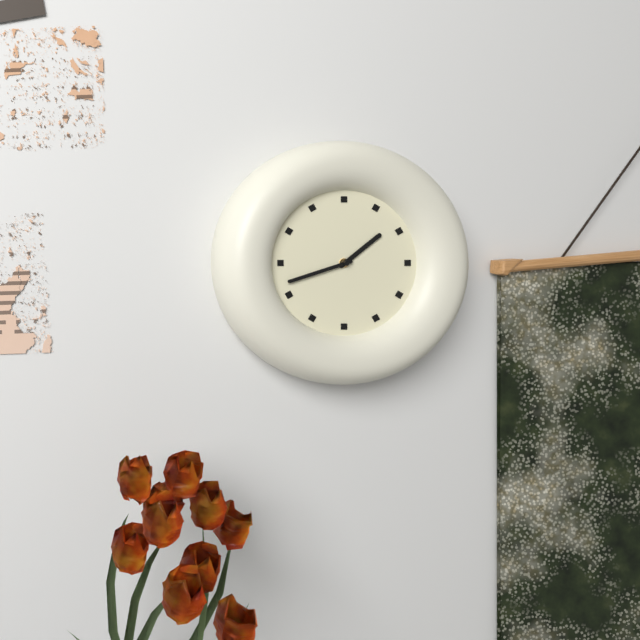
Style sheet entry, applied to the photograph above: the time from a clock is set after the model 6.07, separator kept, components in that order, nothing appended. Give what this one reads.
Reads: 1.42
